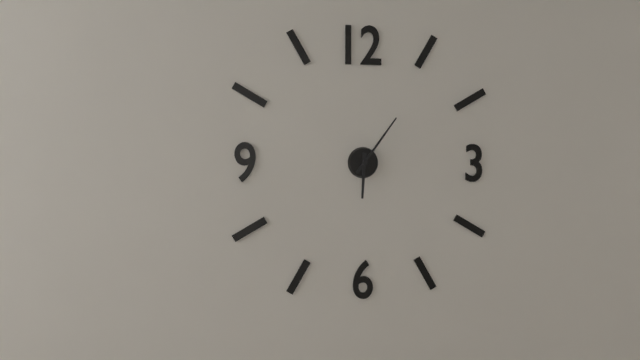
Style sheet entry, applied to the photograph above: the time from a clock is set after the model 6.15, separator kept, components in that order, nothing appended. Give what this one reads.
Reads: 6.06
